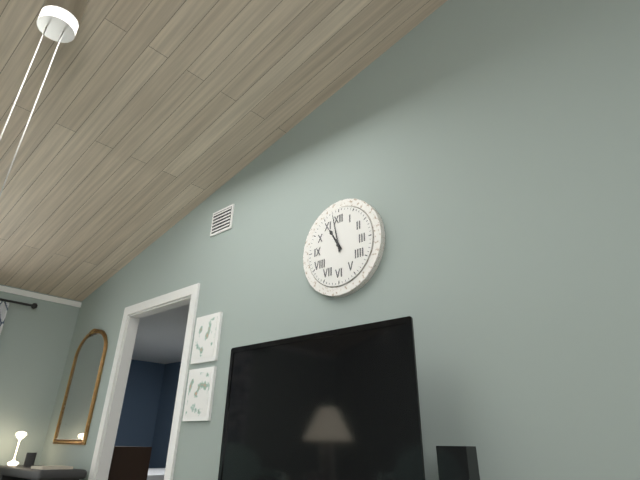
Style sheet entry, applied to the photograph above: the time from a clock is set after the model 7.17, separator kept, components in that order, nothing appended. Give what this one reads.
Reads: 10.58
